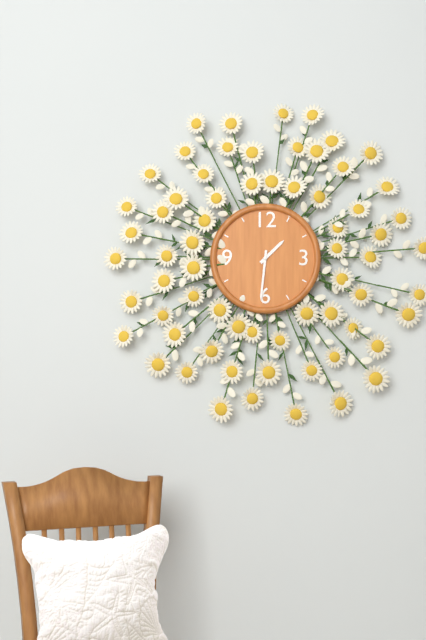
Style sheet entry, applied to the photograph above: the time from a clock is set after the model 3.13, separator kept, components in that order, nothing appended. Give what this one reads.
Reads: 1.31
